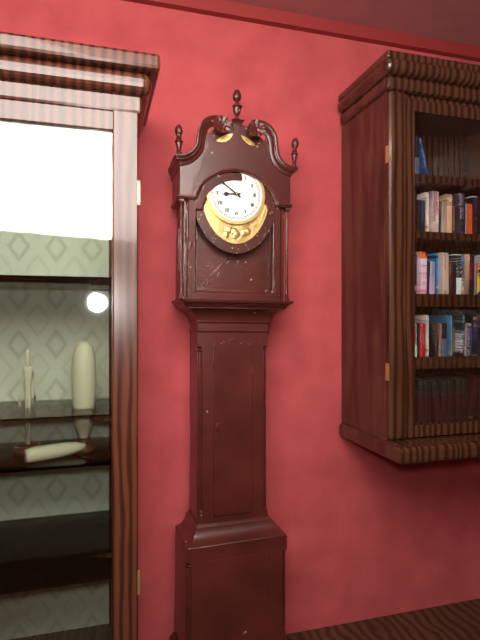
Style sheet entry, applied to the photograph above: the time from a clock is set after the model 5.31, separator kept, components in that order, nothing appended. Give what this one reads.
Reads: 8.51
